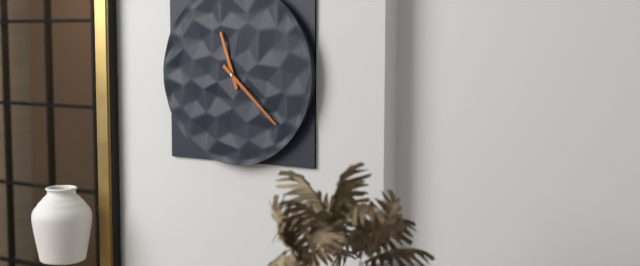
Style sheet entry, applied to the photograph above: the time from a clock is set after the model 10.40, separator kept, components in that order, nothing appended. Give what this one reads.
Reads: 11.22
